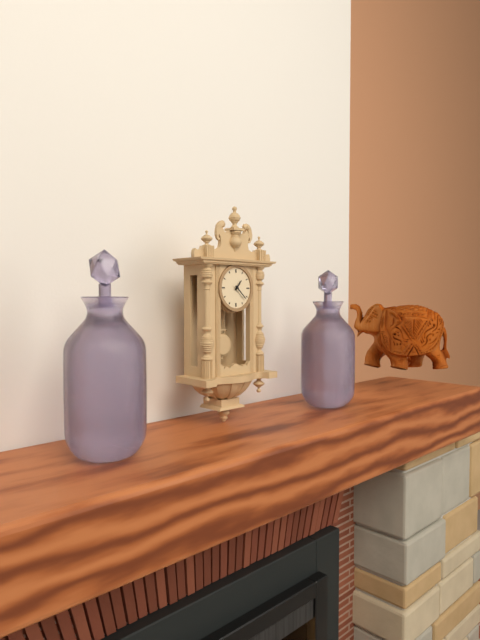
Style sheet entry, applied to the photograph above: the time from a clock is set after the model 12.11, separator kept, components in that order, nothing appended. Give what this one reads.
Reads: 1.22
